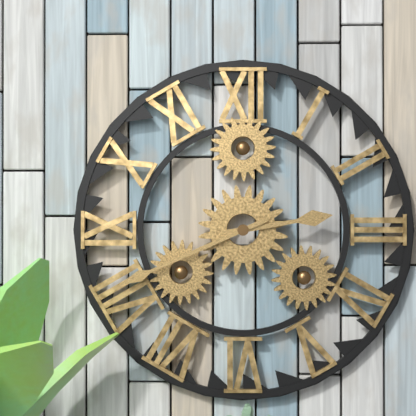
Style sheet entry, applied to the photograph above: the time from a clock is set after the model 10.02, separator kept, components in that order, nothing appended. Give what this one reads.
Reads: 2.41
